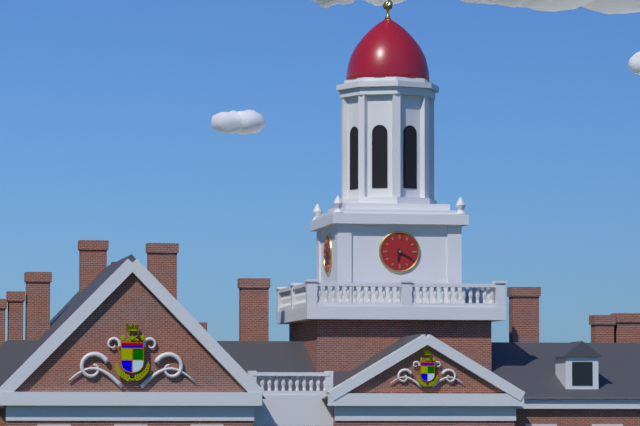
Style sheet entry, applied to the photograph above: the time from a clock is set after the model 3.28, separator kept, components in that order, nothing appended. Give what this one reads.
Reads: 6.20
